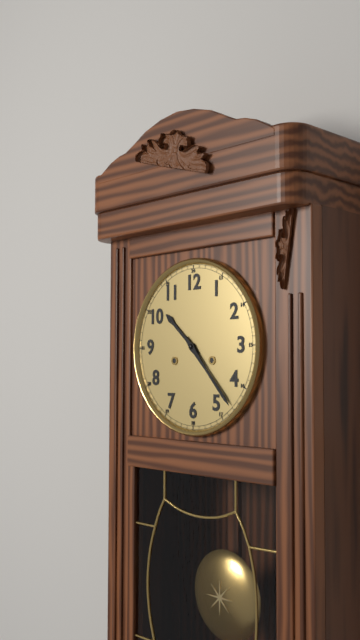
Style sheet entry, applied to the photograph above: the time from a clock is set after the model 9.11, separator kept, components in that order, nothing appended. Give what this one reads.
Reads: 10.23
